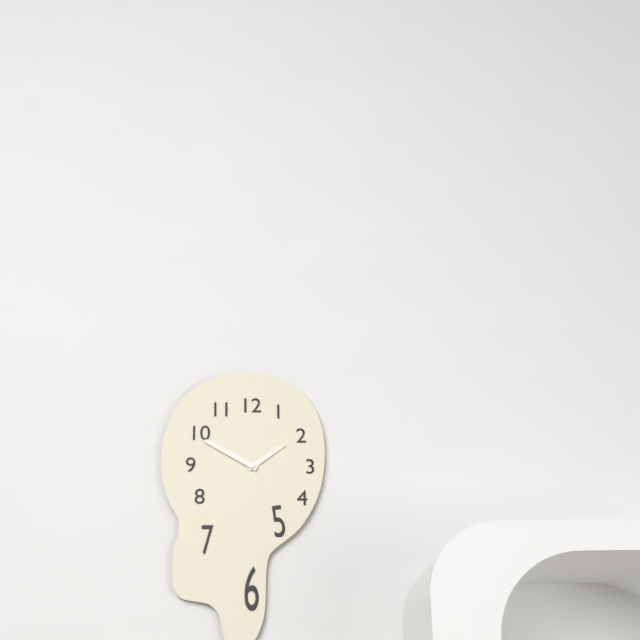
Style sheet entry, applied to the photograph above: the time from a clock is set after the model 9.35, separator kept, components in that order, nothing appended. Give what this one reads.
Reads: 1.50
